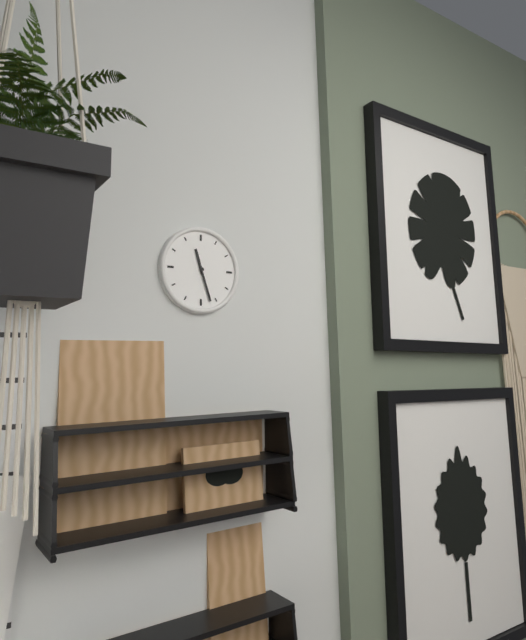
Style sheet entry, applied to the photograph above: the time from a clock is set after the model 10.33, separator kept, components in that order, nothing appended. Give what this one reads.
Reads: 11.27
